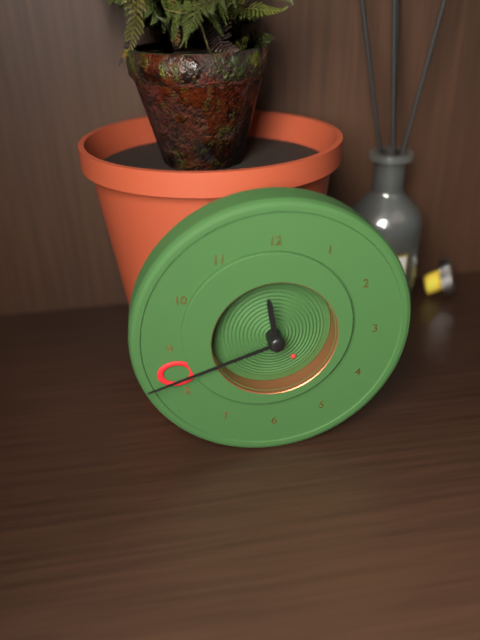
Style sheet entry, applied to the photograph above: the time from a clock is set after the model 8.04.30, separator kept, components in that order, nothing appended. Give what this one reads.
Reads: 11.42.24
